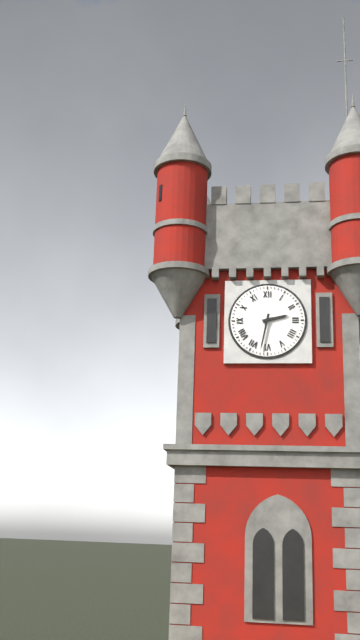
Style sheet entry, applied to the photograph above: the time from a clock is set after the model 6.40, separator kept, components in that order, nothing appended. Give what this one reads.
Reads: 2.32
